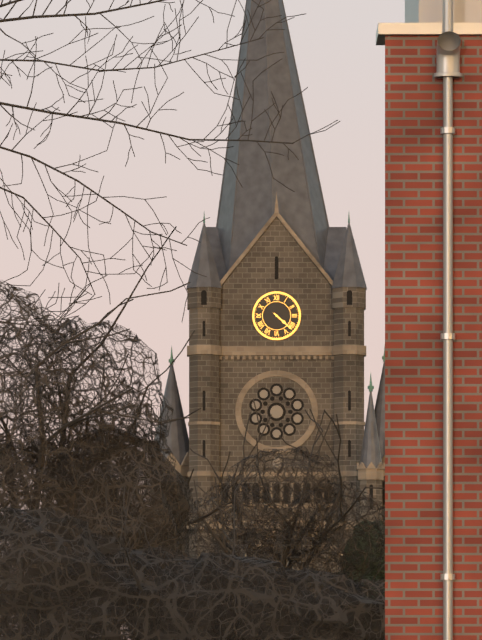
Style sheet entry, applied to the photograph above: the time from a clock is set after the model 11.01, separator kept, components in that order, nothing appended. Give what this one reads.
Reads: 4.22
